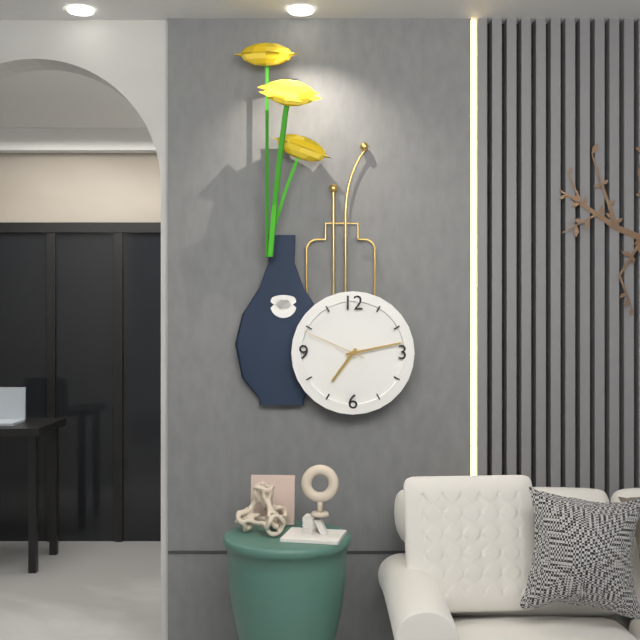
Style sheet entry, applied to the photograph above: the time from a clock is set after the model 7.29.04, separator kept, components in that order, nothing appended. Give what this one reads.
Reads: 7.13.49
